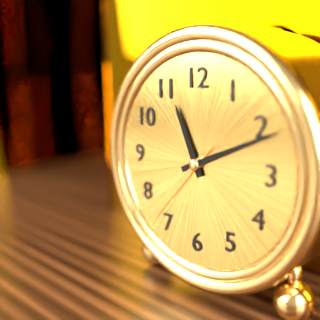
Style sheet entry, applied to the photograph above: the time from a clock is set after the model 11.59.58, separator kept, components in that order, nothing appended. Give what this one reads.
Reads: 11.11.37
